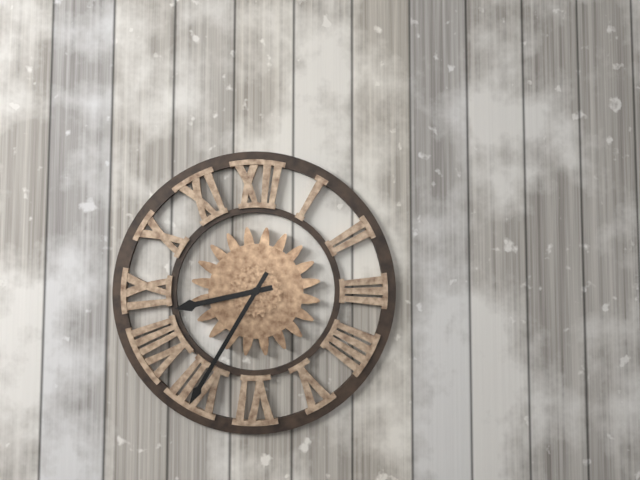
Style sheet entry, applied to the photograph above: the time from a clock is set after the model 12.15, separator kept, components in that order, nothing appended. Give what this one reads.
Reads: 8.35
